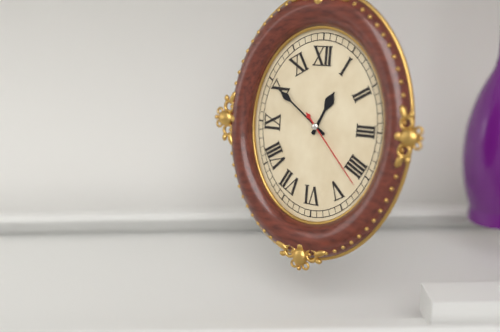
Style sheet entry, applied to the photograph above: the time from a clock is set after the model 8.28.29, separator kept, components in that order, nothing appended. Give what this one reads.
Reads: 12.51.23
